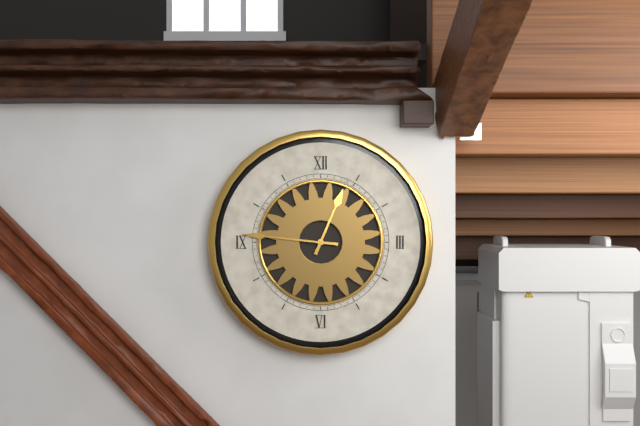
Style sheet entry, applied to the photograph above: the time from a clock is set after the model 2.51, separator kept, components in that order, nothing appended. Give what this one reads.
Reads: 12.46
